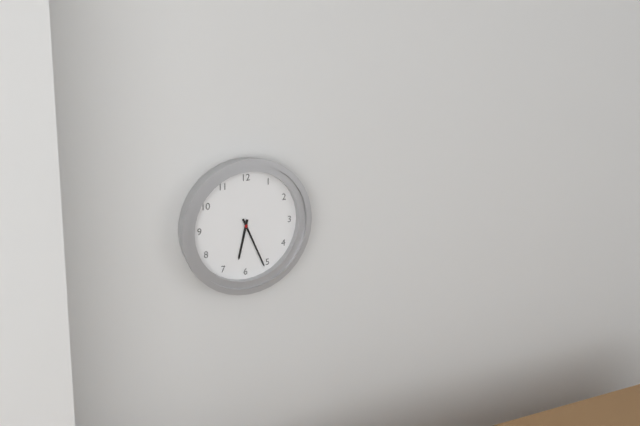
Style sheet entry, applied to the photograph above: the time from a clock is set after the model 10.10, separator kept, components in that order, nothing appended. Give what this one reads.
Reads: 6.26
